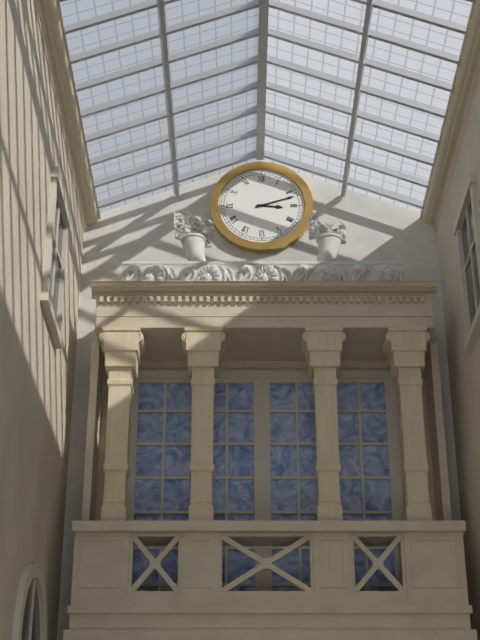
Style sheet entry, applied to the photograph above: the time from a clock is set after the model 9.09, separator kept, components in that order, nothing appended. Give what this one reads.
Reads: 3.12
